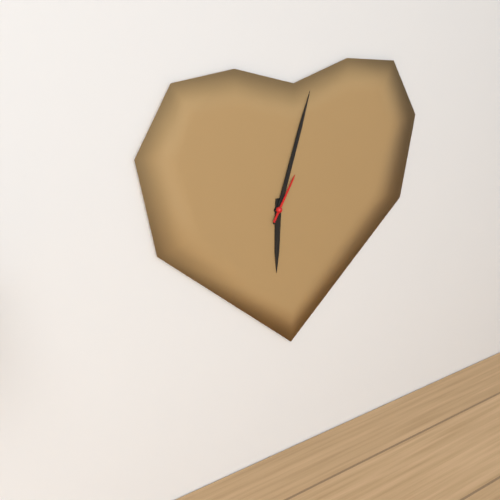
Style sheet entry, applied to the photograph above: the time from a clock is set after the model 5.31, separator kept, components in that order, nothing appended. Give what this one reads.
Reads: 6.03
